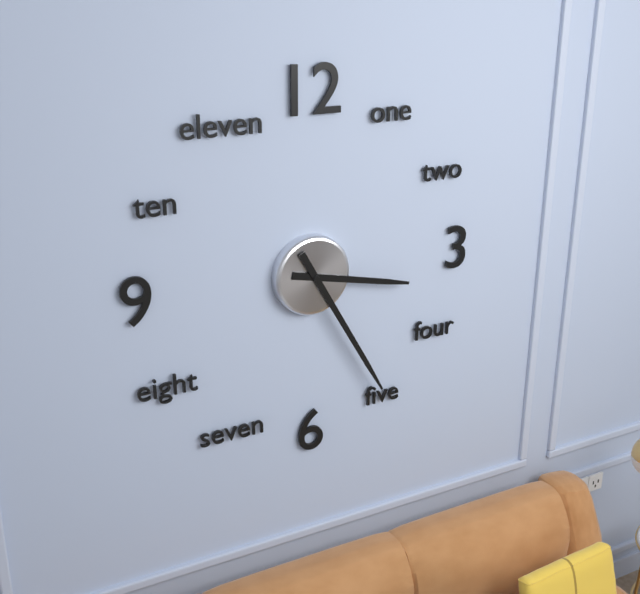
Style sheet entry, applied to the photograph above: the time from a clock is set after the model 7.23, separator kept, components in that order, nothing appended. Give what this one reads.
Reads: 3.25
